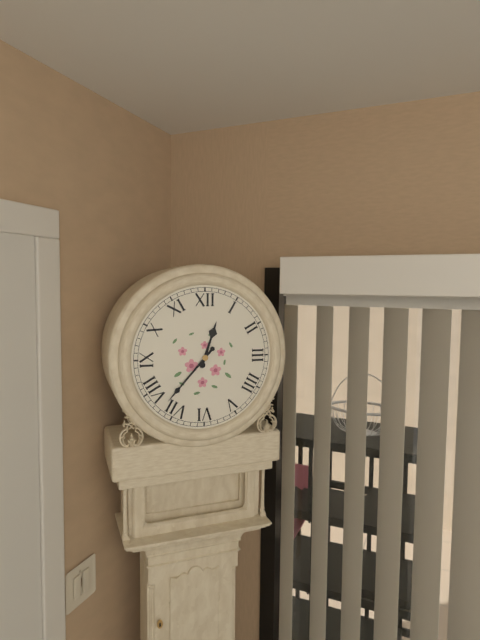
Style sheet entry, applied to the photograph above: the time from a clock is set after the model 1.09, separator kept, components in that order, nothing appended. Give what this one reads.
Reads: 12.37
